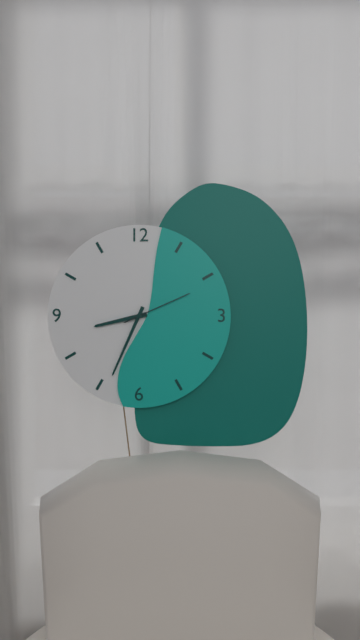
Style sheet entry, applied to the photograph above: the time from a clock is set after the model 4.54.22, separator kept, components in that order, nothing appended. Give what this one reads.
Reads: 8.34.11
